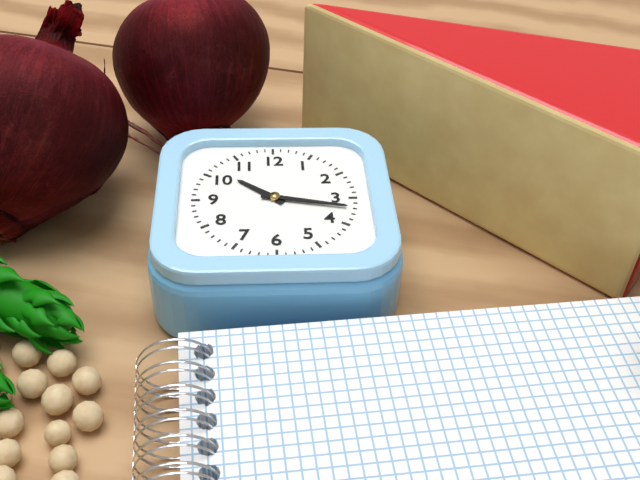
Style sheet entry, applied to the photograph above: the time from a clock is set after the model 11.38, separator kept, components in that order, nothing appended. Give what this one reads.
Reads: 10.17
